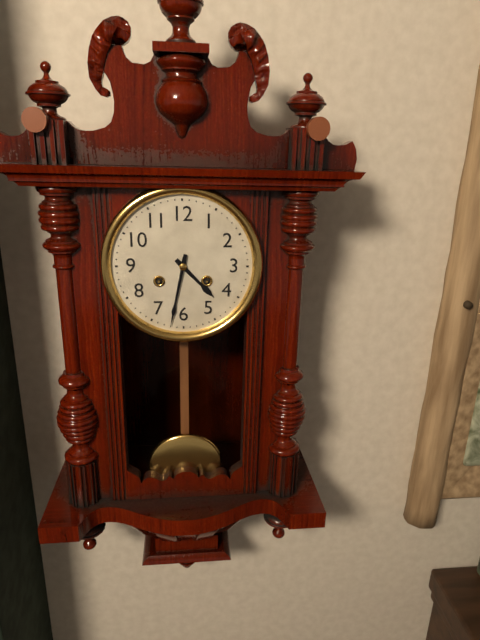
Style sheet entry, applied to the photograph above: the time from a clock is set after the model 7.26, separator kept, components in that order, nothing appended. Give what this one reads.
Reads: 4.32
